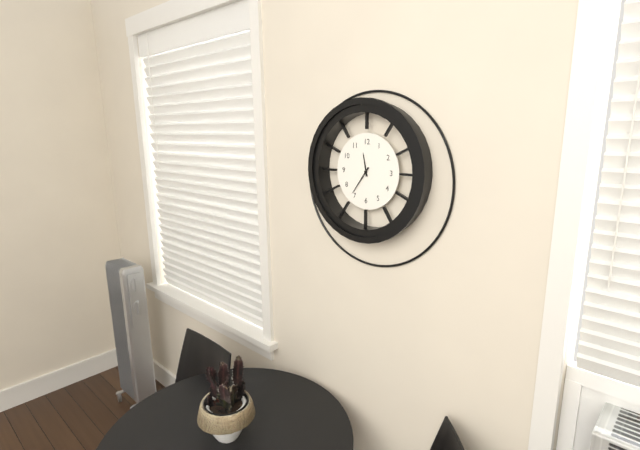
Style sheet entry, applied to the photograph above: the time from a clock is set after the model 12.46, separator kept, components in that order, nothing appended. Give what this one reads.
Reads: 11.36
